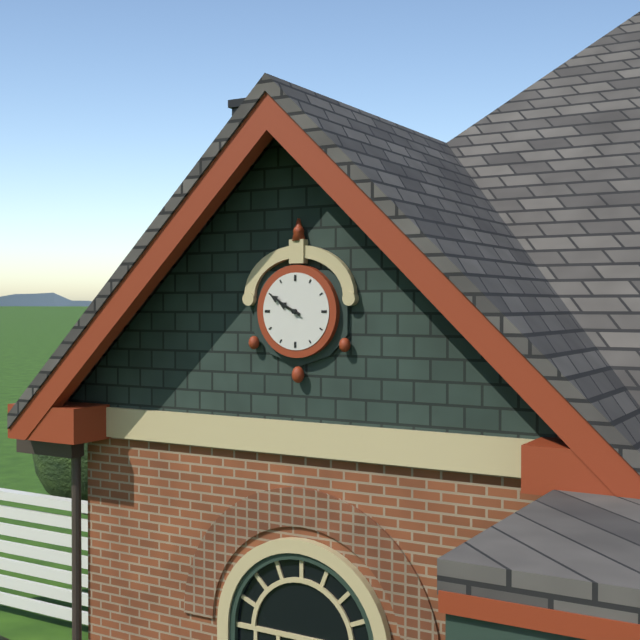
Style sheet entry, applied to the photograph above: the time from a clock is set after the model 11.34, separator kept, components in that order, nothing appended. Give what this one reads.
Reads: 9.50
